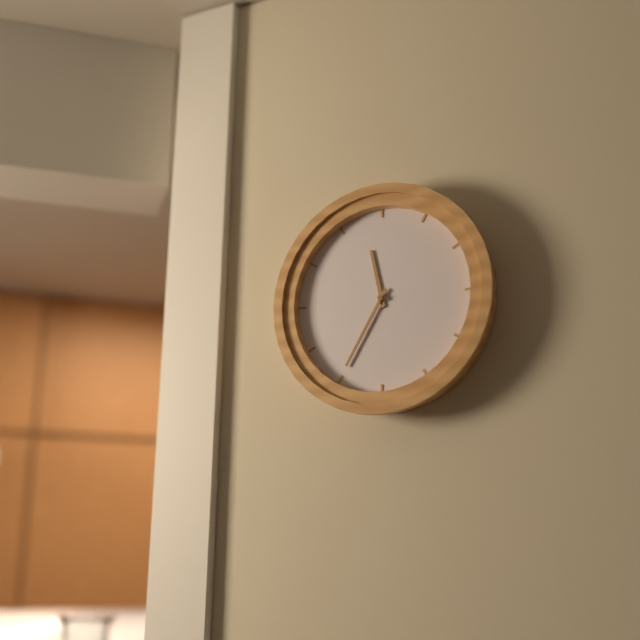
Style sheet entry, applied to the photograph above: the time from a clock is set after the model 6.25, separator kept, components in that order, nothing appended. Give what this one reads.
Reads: 11.35
